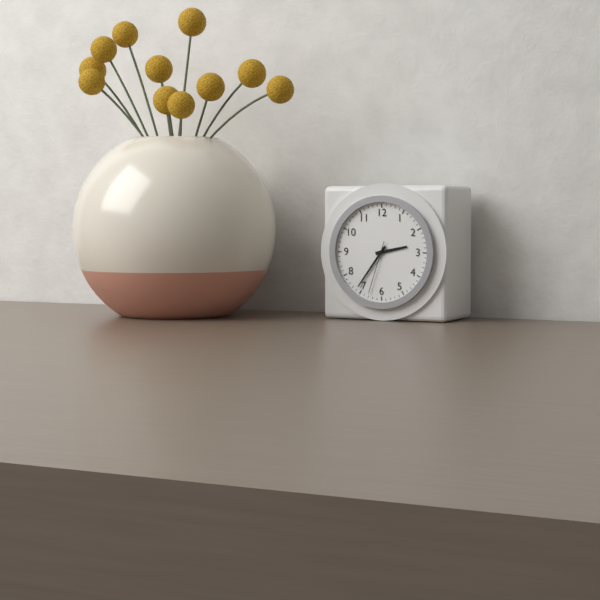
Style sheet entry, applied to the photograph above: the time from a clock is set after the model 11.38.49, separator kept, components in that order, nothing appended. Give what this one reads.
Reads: 2.36.33
